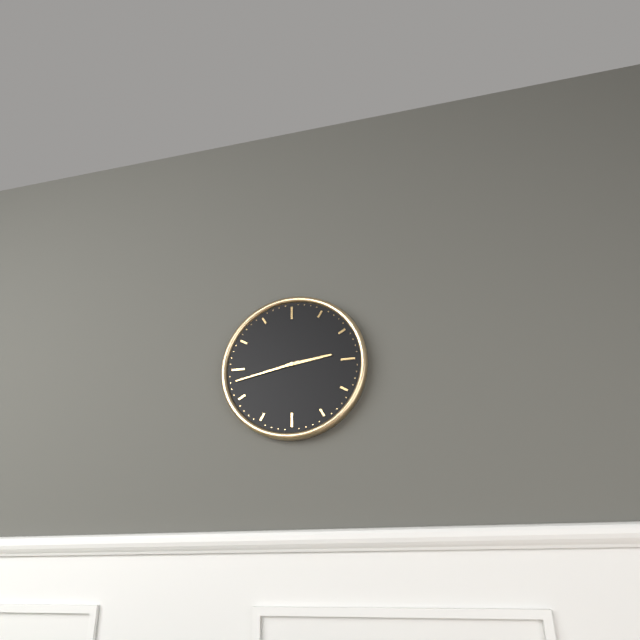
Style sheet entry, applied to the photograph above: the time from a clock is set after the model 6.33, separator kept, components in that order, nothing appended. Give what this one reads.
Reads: 2.43
